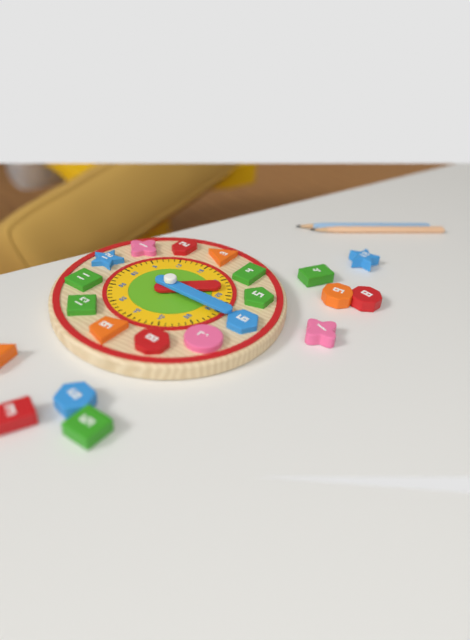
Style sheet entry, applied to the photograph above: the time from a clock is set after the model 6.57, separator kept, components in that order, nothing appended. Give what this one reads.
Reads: 4.30
